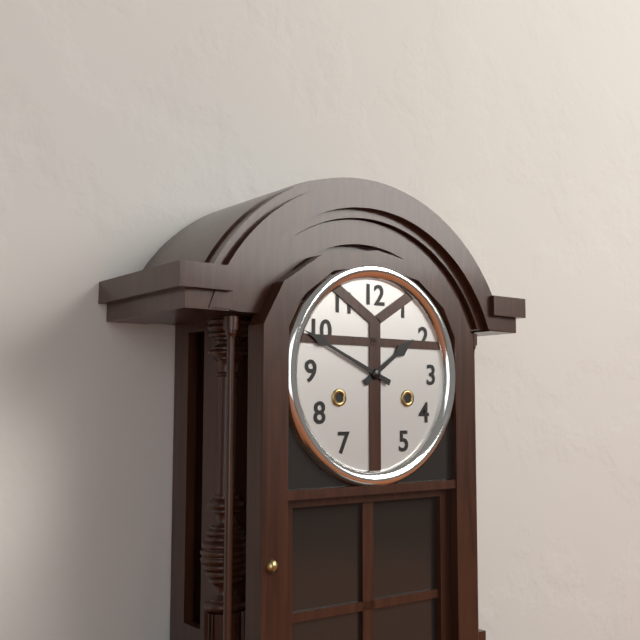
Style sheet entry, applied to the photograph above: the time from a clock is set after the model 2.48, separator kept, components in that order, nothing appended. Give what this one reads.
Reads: 1.49
